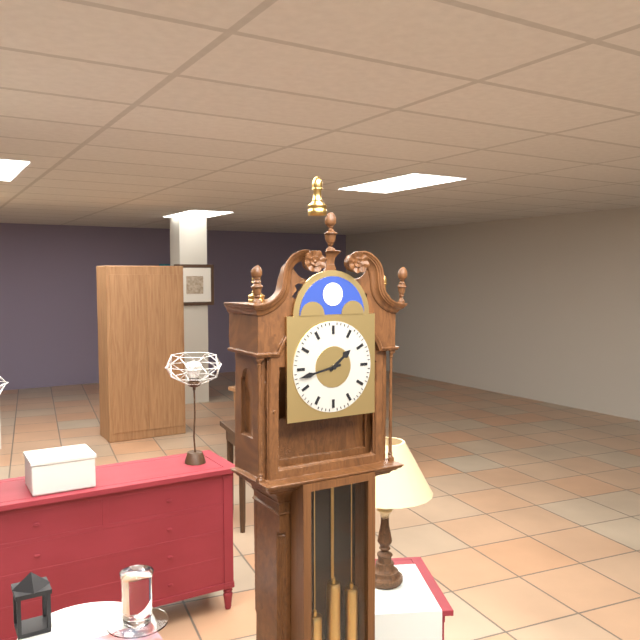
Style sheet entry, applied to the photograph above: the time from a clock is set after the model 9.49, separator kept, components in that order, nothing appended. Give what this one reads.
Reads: 1.43
